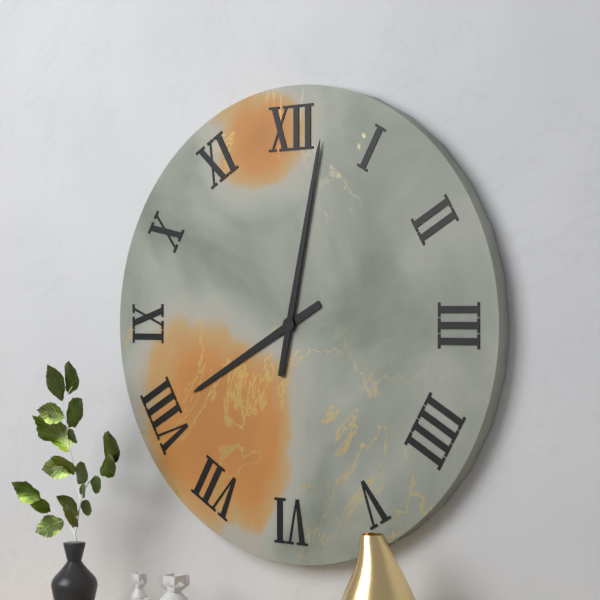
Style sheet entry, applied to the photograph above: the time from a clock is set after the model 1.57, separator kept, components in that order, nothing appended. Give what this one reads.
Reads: 8.02
